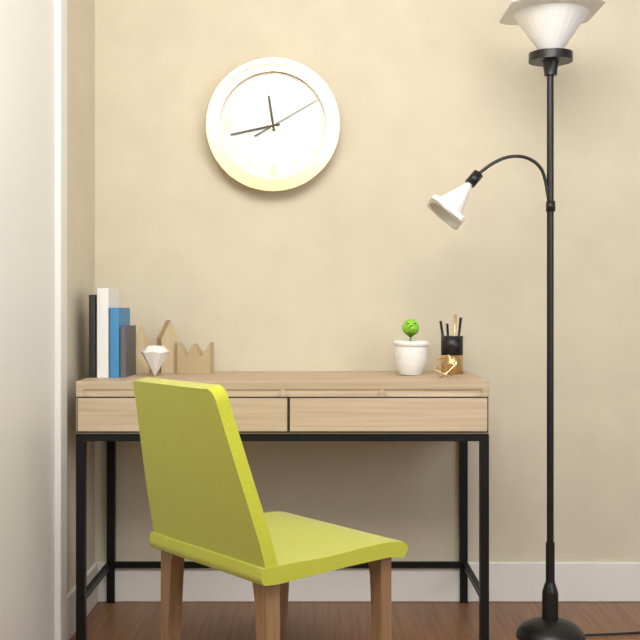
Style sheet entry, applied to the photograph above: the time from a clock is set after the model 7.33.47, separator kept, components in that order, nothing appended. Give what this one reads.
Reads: 11.43.10
